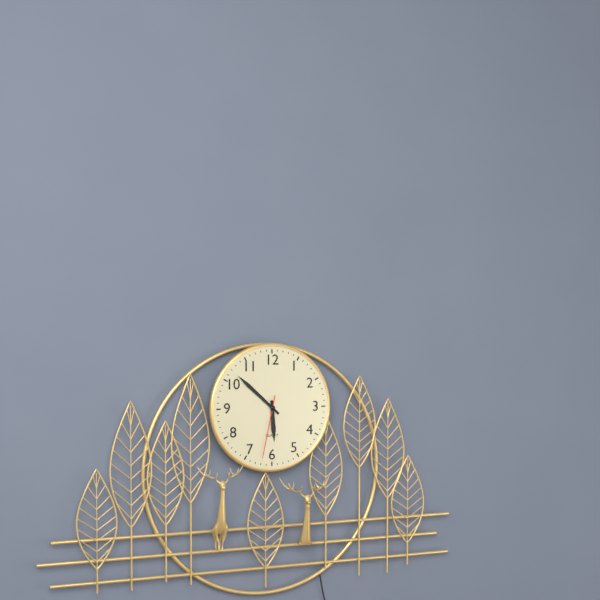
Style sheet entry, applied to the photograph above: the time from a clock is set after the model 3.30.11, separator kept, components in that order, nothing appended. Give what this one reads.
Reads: 5.52.32
